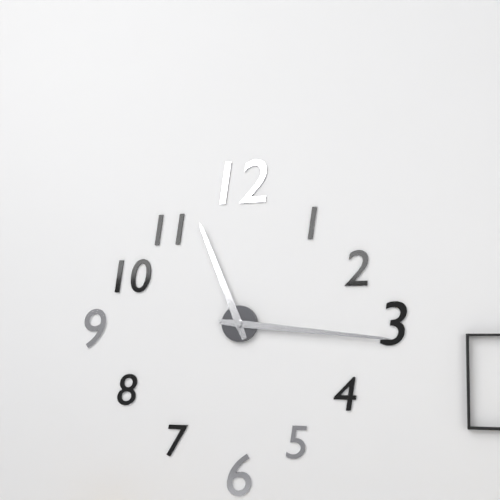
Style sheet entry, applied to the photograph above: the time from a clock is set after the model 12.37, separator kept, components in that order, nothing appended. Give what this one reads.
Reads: 11.16
